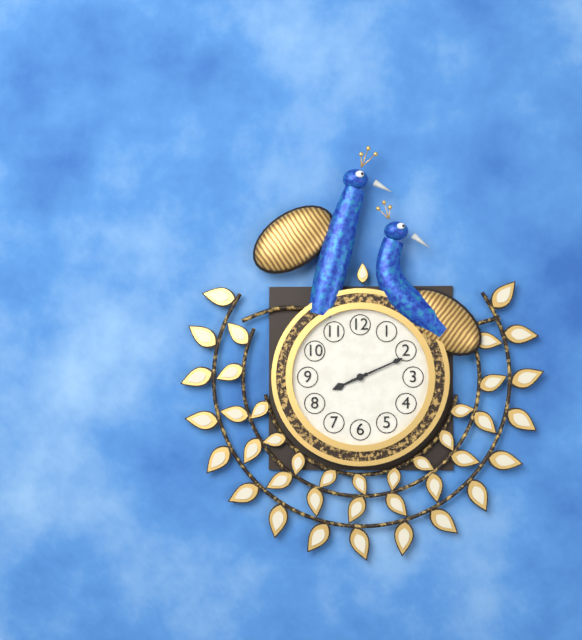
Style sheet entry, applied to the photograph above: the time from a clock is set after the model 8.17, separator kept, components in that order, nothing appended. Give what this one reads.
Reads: 8.11
